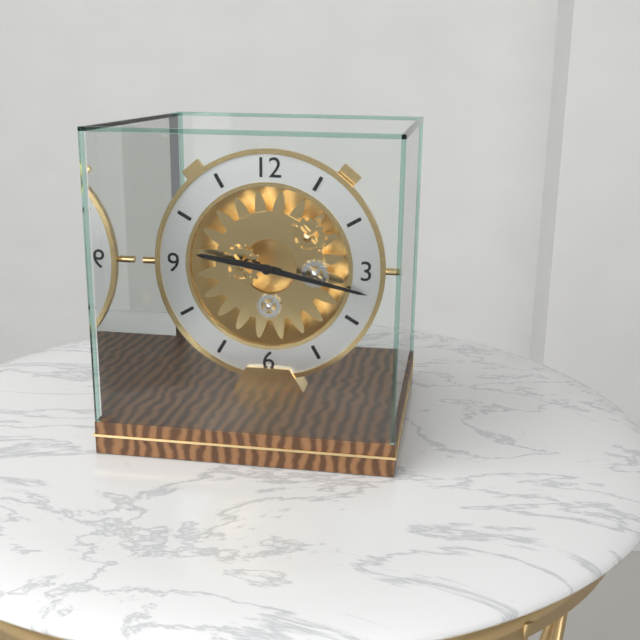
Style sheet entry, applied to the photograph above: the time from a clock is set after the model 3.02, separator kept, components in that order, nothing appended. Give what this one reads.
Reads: 9.17
